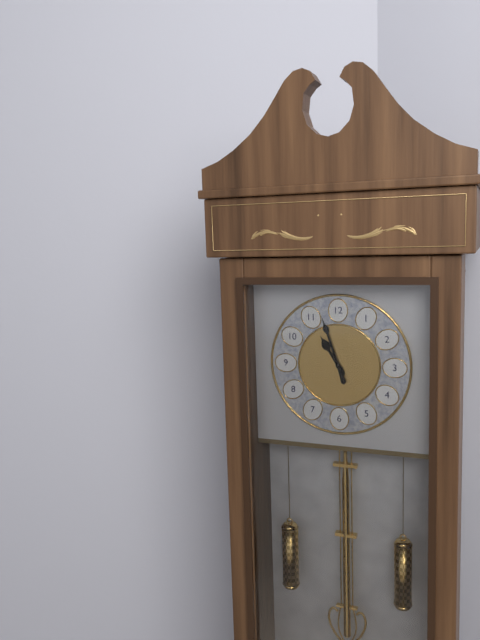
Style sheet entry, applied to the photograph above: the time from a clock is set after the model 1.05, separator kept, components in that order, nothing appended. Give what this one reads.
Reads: 10.57
